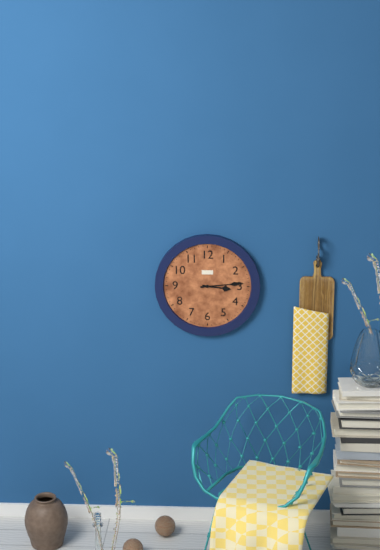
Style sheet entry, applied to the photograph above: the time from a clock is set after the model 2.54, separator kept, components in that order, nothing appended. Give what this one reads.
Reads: 3.14
